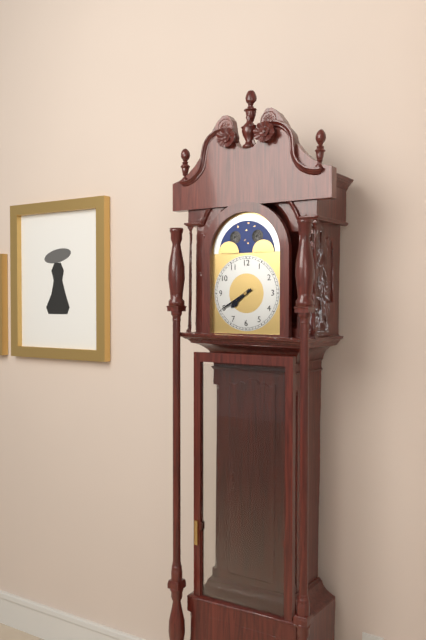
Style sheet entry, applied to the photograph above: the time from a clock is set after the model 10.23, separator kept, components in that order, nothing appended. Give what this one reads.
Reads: 7.40
